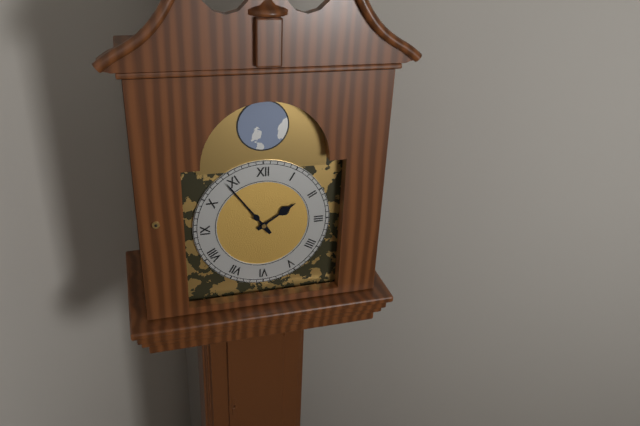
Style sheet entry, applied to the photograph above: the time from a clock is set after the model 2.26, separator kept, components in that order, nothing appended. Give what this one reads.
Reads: 1.54
